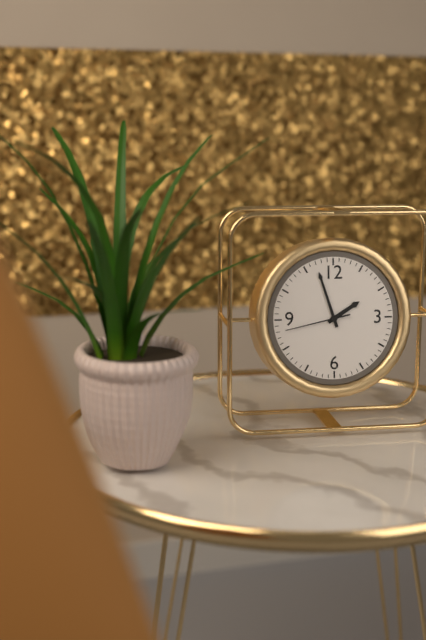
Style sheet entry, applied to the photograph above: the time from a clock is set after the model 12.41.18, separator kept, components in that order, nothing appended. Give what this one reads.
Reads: 1.57.43
